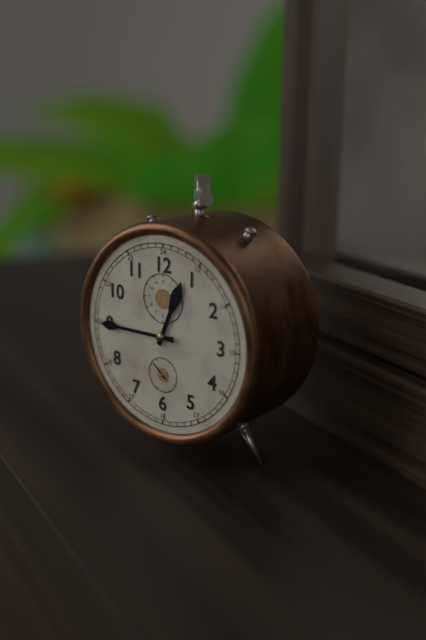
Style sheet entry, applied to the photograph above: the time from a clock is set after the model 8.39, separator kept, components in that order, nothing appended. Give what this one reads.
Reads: 12.45
